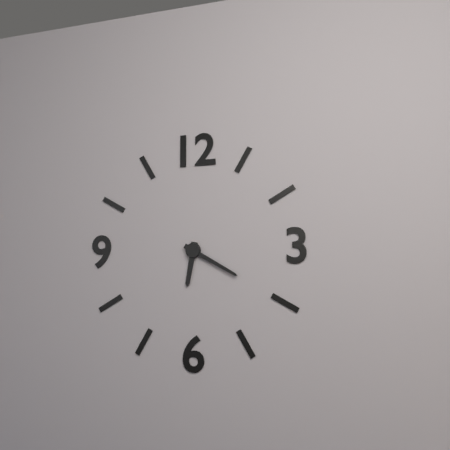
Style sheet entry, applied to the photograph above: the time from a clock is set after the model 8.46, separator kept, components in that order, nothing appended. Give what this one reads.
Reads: 6.20
